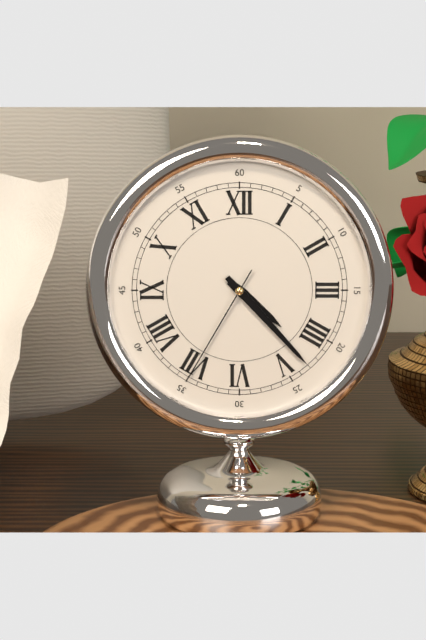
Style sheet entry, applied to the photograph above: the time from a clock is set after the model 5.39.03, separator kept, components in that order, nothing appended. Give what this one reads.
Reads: 4.23.35
